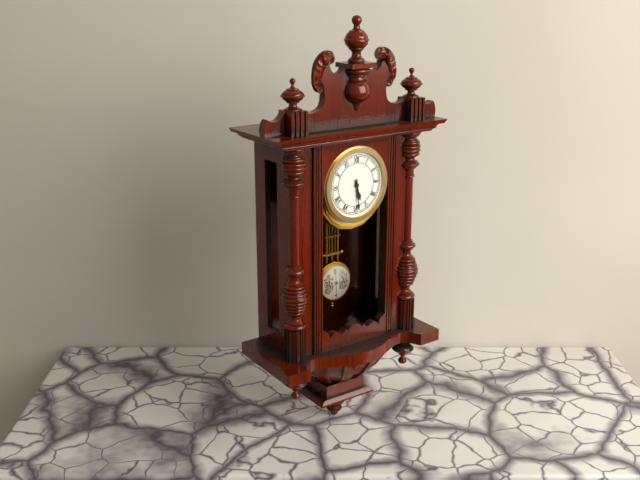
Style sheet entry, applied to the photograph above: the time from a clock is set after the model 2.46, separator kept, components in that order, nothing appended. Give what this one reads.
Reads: 5.29
